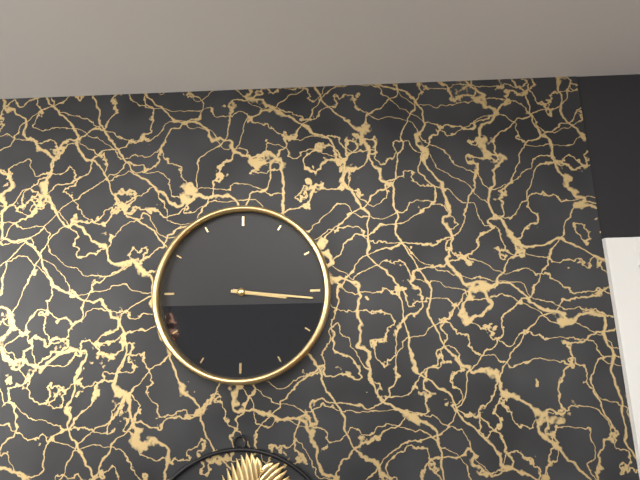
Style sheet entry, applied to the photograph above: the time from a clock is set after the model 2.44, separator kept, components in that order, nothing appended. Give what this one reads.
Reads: 3.16
